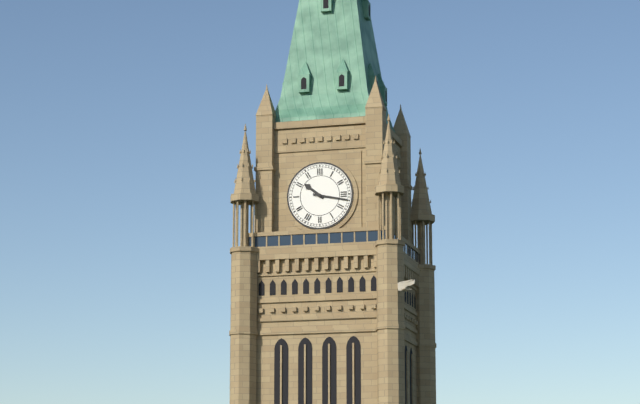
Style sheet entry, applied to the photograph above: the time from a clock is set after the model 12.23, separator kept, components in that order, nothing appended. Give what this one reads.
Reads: 10.17
